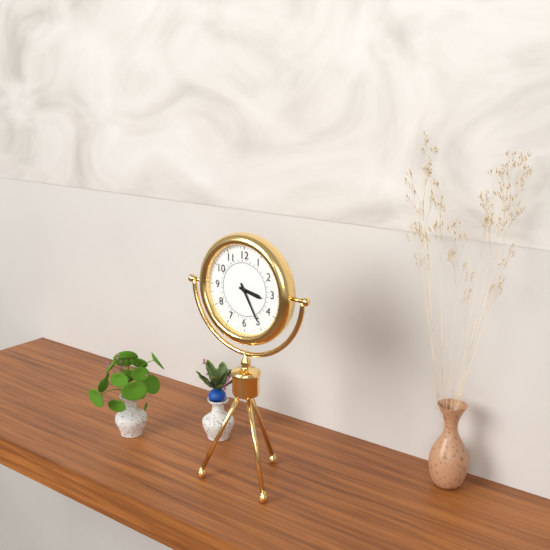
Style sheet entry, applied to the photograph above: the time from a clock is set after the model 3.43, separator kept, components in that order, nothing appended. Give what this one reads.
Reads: 3.25
